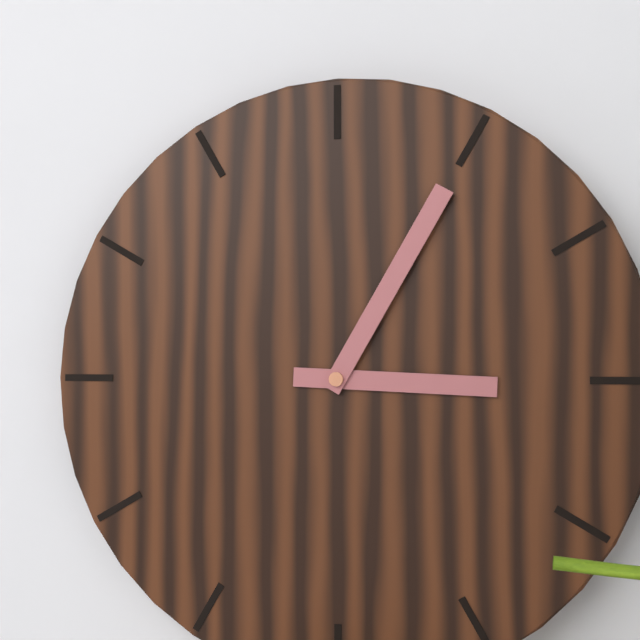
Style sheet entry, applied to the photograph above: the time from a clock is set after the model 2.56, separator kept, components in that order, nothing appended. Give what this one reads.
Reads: 3.05
